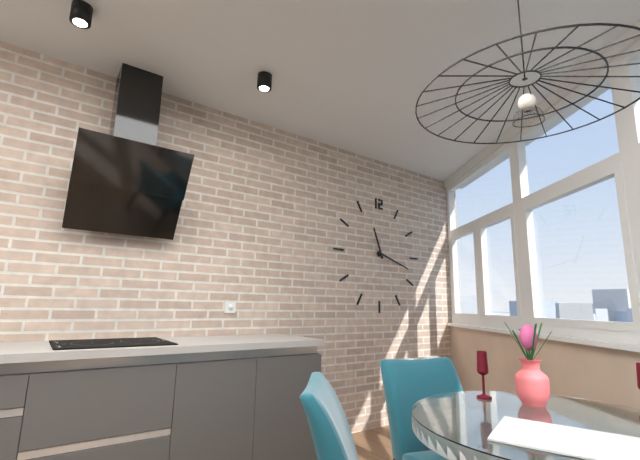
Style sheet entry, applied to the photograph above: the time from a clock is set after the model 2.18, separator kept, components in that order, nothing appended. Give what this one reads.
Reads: 11.18
